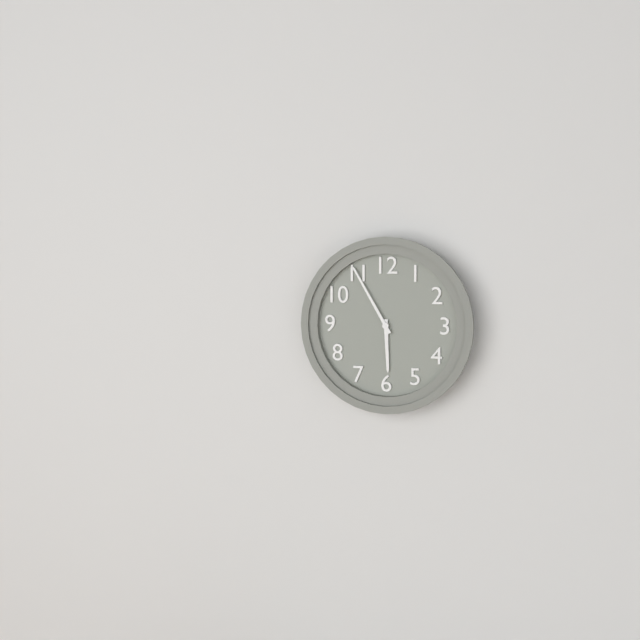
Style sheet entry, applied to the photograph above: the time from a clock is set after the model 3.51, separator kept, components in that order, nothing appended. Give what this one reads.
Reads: 5.55
